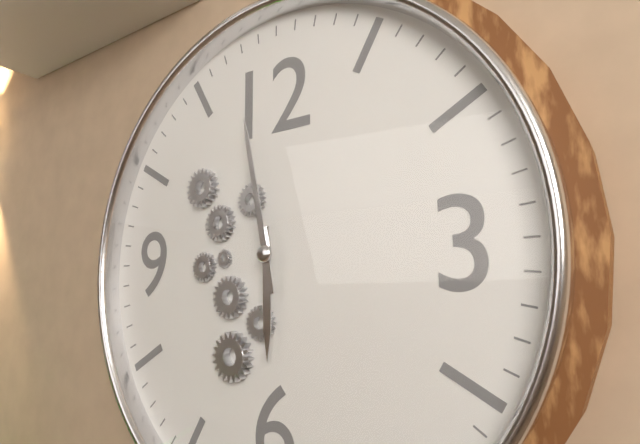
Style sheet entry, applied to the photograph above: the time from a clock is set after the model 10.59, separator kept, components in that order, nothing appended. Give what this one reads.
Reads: 5.58
